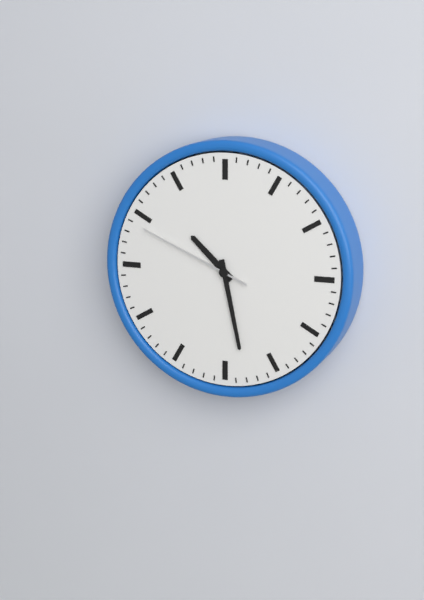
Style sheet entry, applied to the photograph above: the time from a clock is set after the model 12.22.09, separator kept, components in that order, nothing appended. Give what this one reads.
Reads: 10.28.49
